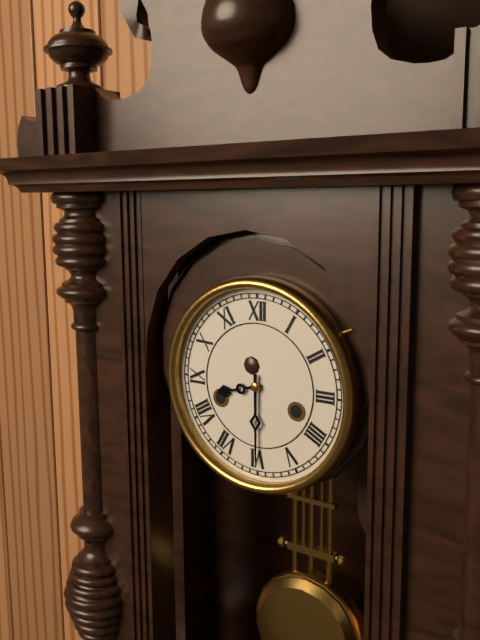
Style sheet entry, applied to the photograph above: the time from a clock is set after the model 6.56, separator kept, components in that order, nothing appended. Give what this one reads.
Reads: 8.30
